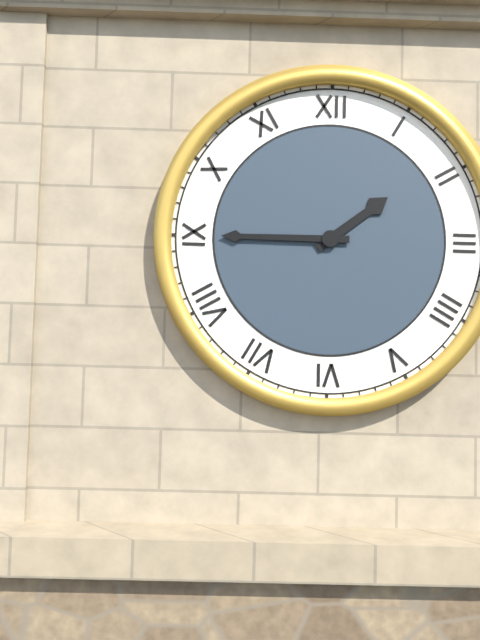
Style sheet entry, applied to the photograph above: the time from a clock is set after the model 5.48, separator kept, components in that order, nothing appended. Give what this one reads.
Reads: 1.45
